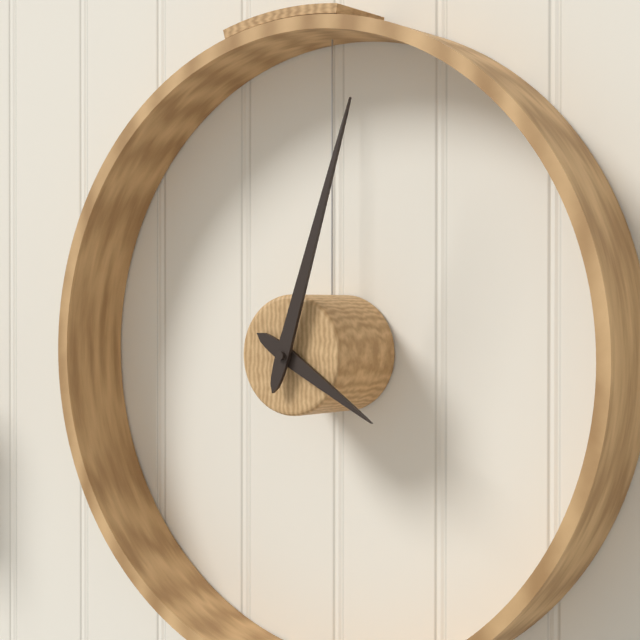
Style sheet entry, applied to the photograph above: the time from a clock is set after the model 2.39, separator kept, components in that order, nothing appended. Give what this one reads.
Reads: 4.03
